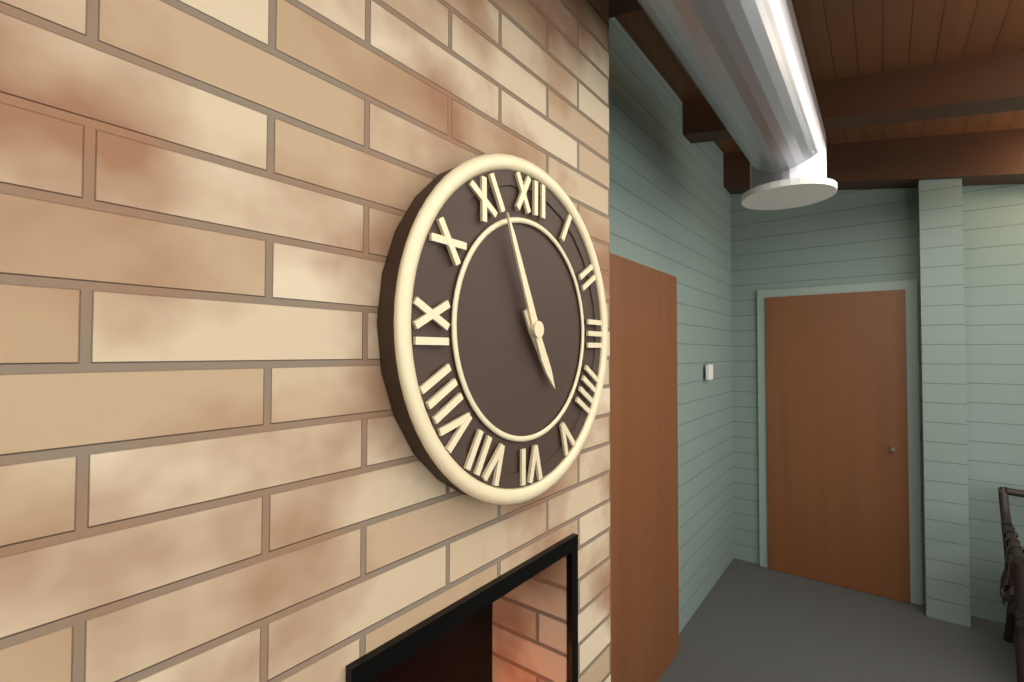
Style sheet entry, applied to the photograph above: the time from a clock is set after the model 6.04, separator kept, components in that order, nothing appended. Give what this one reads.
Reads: 4.56
